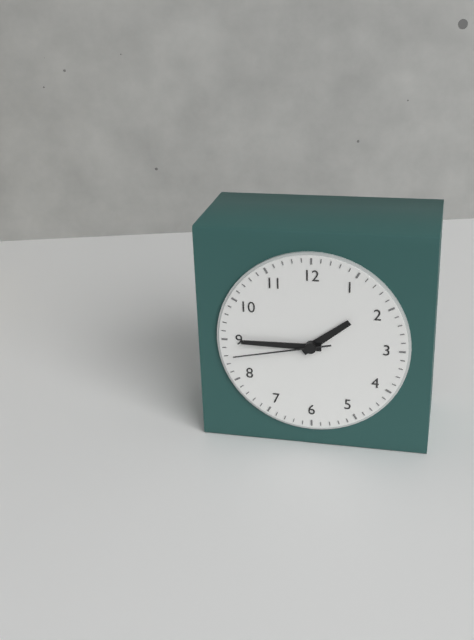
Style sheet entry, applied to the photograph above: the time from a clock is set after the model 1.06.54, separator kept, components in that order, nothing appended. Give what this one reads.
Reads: 1.45.43
